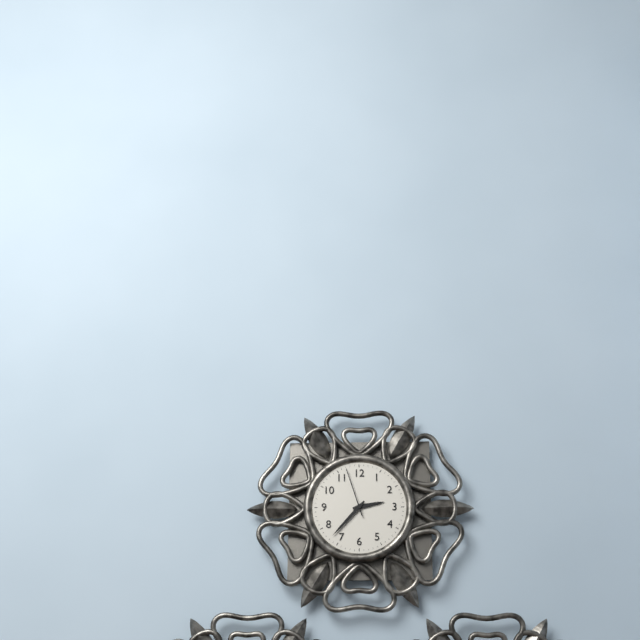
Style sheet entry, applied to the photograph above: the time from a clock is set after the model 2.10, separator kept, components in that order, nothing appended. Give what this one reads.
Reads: 2.37
